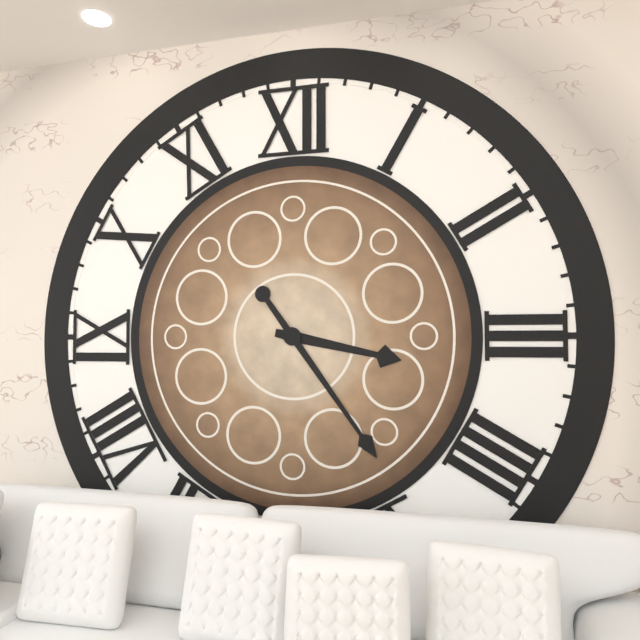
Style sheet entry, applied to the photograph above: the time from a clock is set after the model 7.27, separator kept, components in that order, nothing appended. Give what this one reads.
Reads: 3.24
